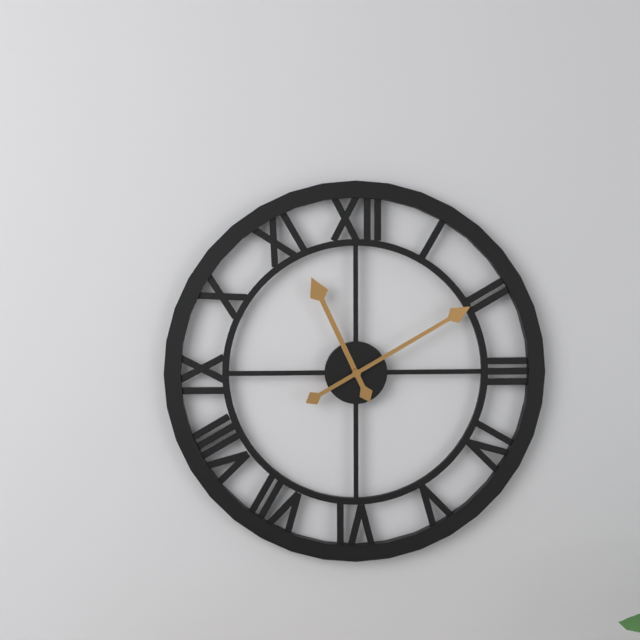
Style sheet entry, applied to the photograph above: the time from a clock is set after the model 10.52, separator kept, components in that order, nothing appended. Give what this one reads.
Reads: 11.10
